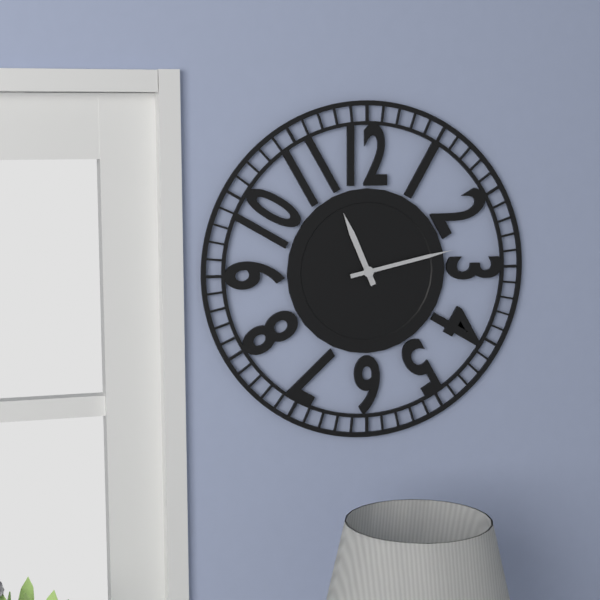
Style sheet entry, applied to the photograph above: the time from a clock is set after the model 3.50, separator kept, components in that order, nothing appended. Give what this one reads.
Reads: 11.13
